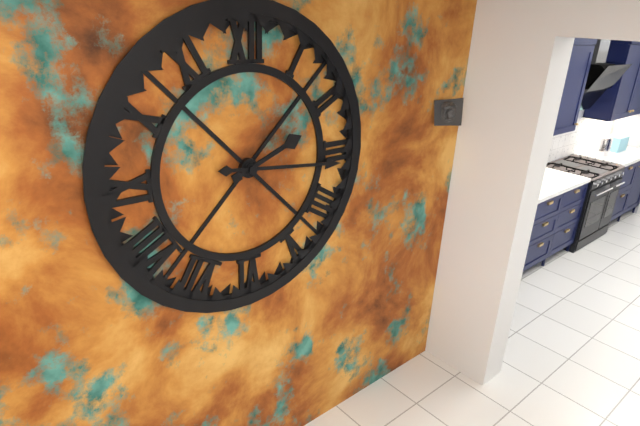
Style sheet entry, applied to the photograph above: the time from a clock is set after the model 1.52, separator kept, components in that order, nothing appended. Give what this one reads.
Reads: 2.16
